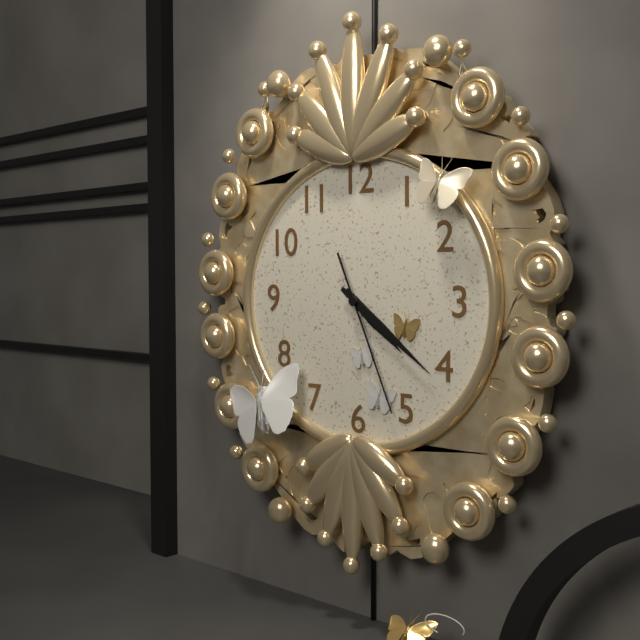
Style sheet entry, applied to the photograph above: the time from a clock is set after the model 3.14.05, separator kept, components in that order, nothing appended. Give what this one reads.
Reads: 4.21.26
